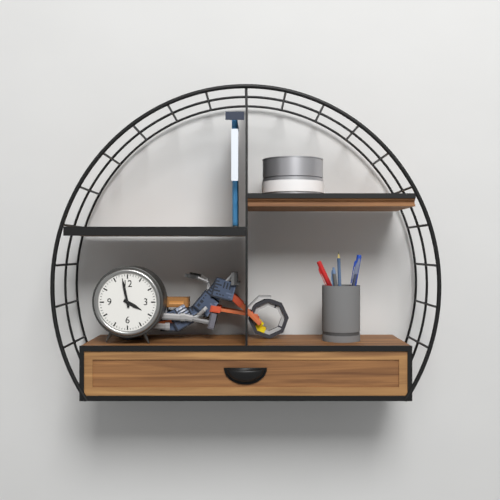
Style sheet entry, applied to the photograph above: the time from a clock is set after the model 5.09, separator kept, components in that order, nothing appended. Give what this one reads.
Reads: 3.58
